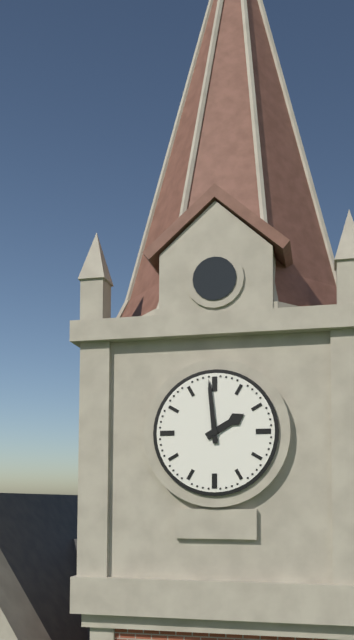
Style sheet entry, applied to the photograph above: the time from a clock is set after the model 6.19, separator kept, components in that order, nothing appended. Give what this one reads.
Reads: 1.59
